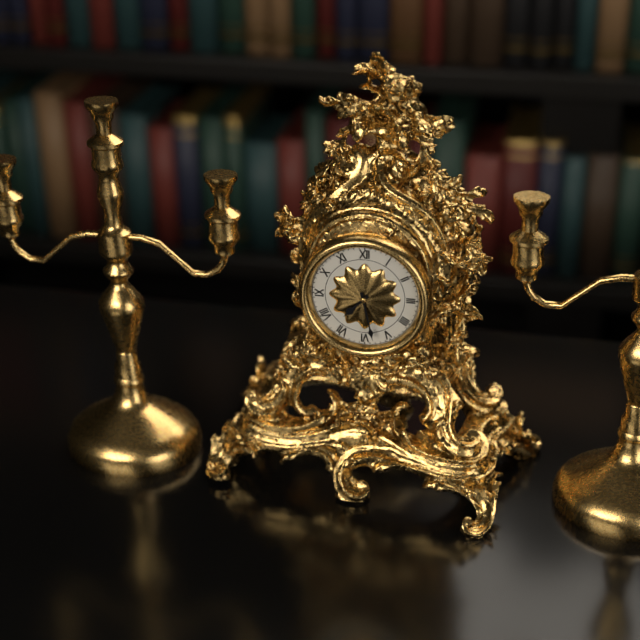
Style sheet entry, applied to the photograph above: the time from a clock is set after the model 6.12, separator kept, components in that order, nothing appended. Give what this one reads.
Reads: 7.28
